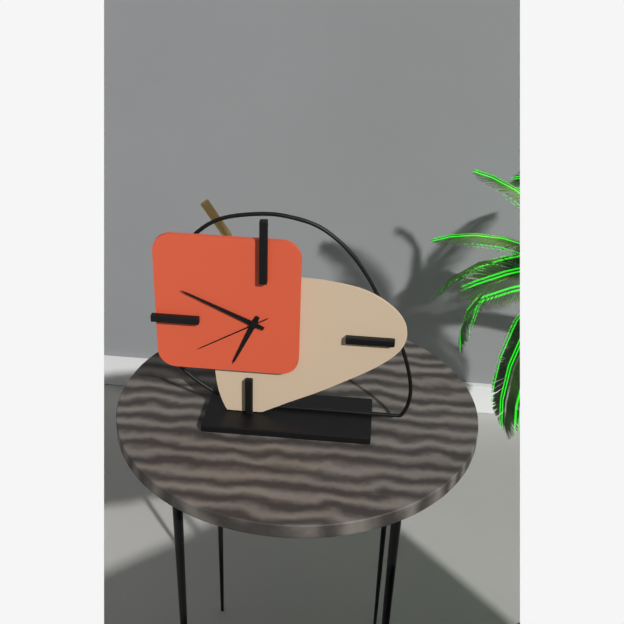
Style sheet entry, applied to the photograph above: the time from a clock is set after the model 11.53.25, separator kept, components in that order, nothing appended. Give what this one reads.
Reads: 6.49.40
